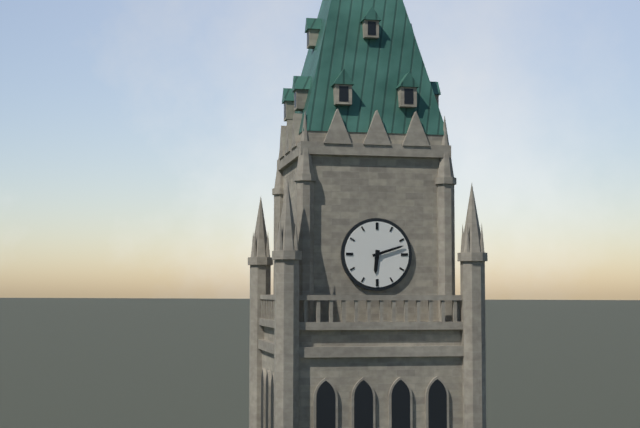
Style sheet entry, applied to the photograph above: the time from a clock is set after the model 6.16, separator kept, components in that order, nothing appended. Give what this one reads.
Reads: 6.12
